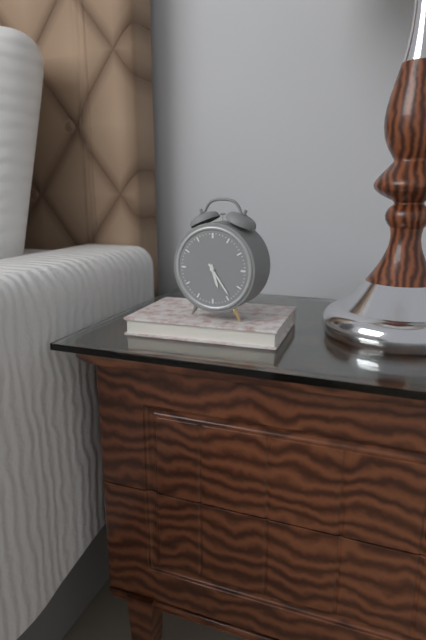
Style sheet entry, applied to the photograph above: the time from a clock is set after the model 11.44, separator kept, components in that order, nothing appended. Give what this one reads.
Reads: 5.24
